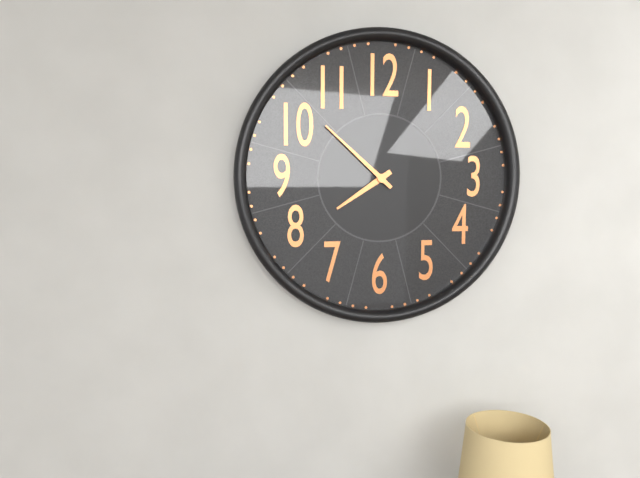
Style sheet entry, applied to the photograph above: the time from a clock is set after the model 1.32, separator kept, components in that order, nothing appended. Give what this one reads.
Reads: 7.52
